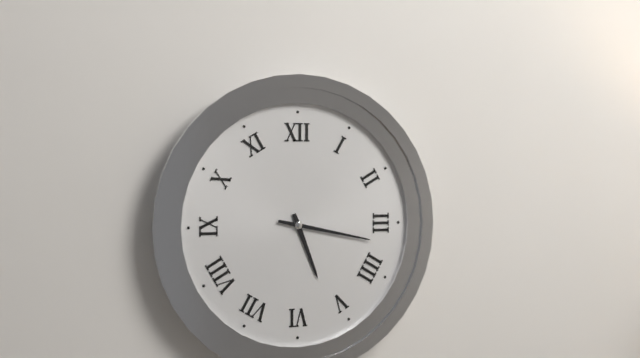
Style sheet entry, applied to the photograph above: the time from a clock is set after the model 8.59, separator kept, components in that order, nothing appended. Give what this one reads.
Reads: 5.17
